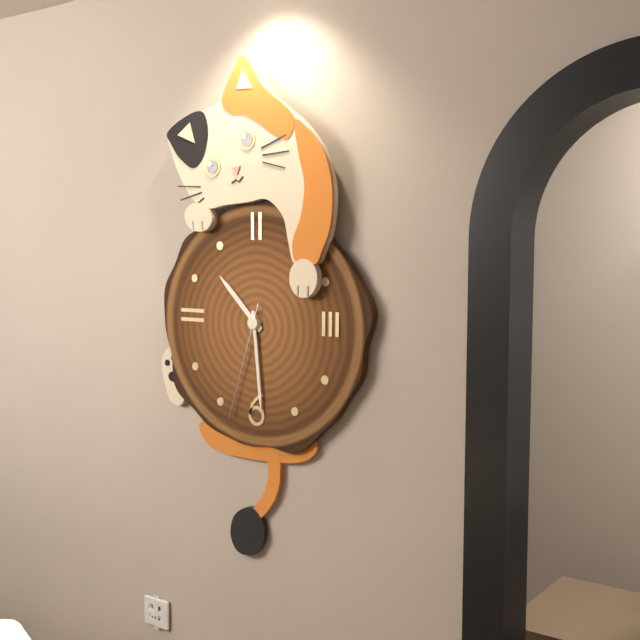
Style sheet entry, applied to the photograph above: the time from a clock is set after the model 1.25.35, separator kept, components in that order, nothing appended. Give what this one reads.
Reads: 10.29.33
